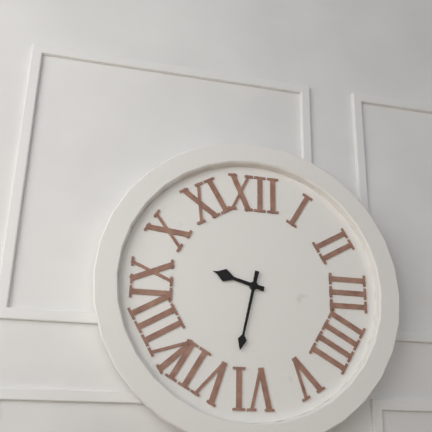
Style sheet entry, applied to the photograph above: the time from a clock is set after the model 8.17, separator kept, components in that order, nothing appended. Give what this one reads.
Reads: 9.32
